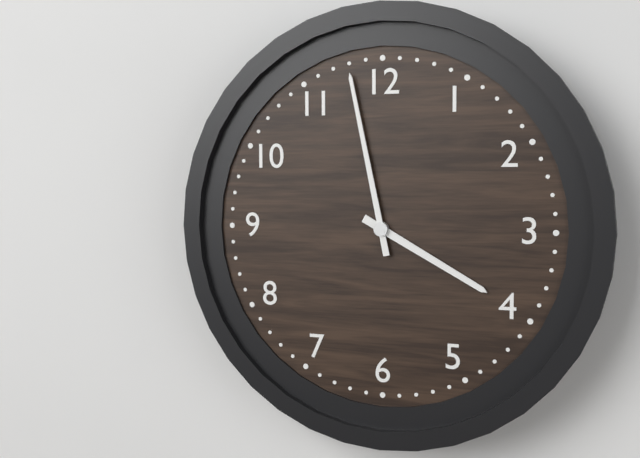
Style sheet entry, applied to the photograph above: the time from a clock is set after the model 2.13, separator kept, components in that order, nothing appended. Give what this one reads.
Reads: 3.58
